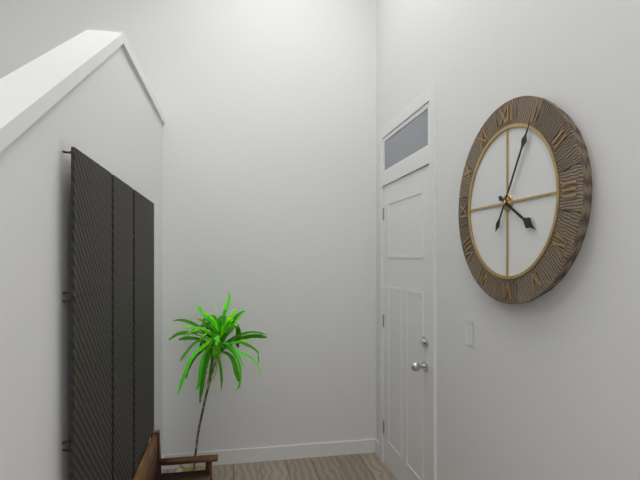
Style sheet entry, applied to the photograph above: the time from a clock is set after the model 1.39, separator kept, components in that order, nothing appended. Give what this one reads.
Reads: 4.05
